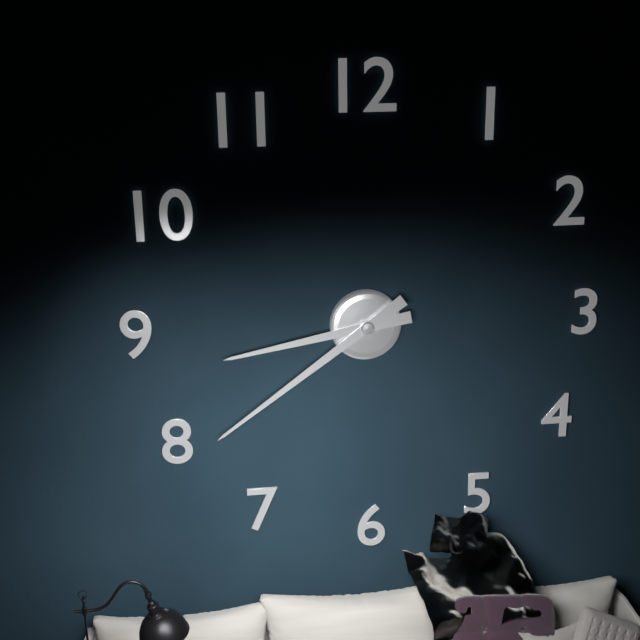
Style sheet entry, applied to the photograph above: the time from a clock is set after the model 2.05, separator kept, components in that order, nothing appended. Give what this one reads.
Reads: 8.39
